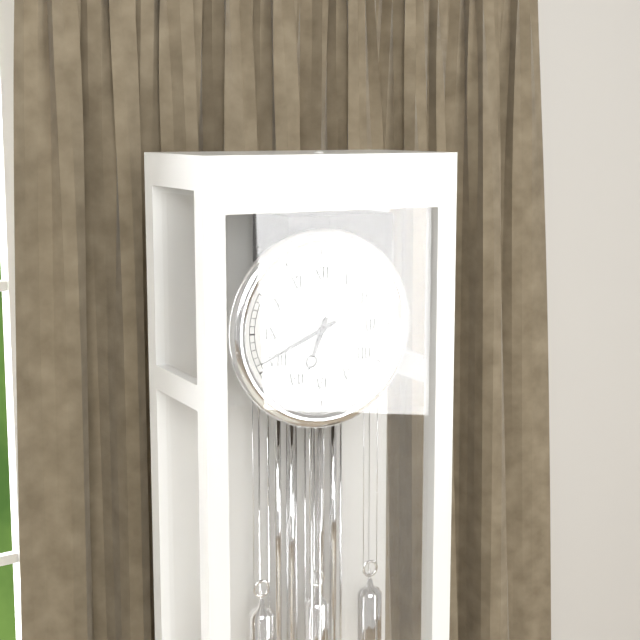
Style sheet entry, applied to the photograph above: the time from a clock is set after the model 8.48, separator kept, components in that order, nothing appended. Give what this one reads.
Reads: 6.41
